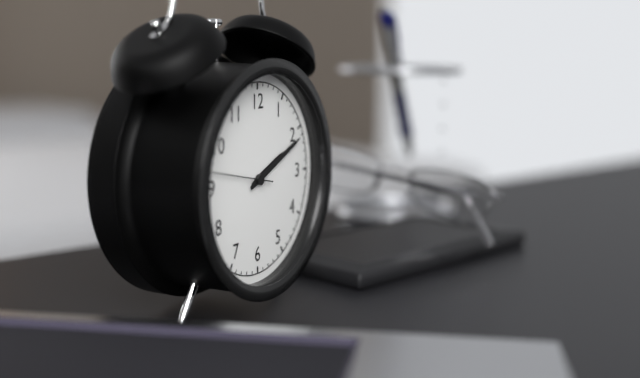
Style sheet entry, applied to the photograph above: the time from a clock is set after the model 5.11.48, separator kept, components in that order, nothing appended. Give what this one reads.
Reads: 2.11.47
